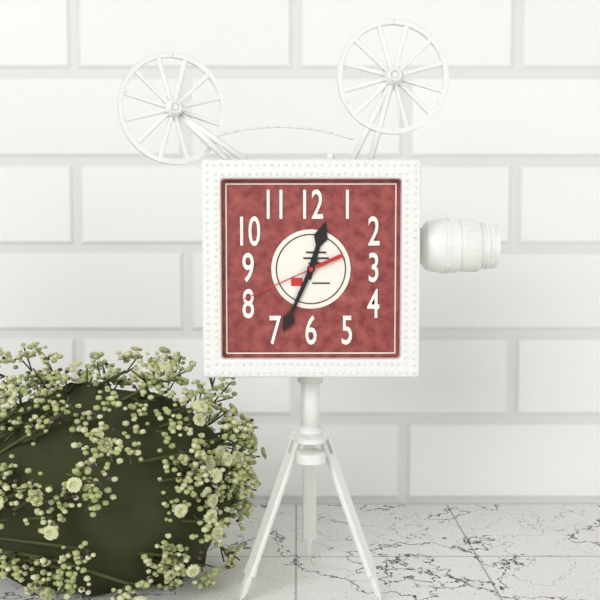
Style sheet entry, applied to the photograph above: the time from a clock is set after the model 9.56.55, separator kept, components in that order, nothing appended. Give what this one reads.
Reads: 12.34.41
